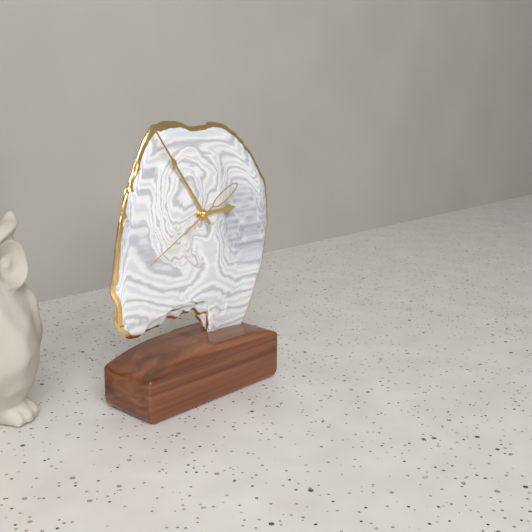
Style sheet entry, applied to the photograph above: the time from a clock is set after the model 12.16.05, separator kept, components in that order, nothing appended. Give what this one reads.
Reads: 2.54.40
